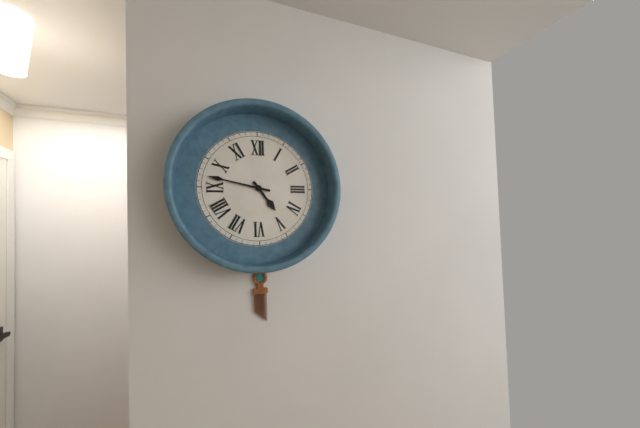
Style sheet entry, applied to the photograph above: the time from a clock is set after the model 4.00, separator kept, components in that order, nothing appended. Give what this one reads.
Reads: 4.47
